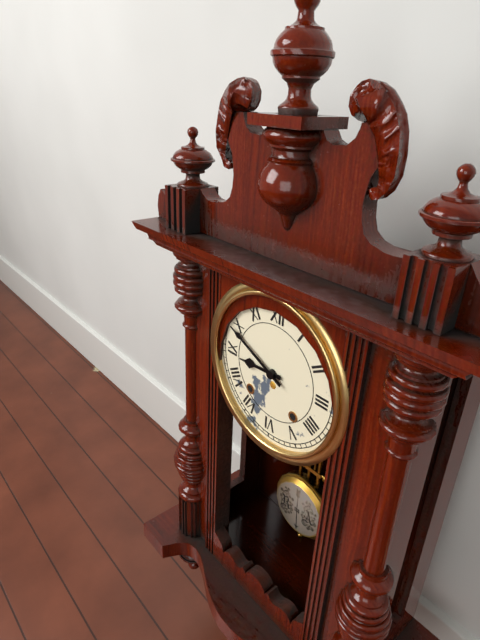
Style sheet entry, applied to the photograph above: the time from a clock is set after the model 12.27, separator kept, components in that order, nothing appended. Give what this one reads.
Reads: 8.49
